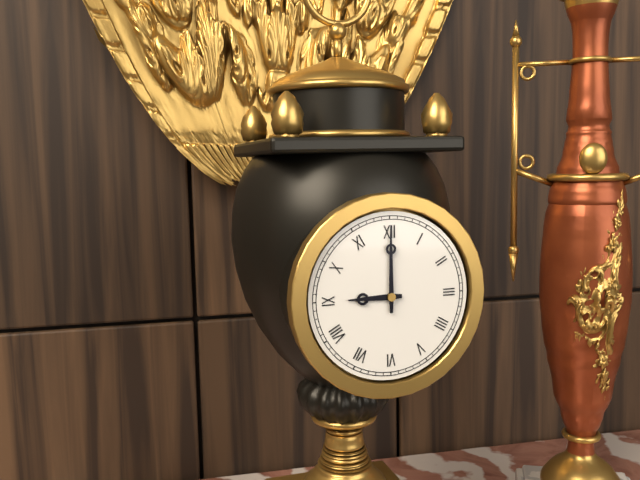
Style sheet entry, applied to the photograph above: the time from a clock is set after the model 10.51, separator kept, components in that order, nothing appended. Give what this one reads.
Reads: 9.00
